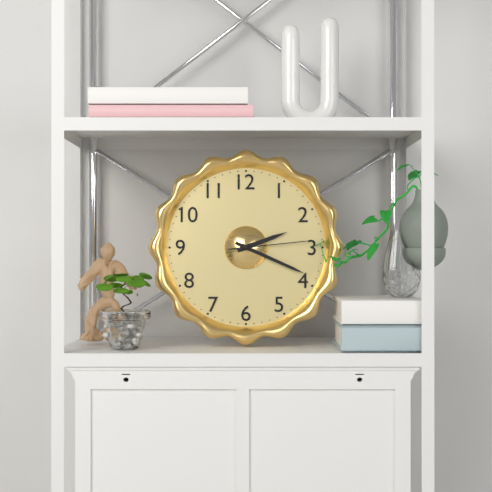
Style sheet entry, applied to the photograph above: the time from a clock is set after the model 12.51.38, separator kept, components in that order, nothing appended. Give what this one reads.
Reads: 2.19.14
